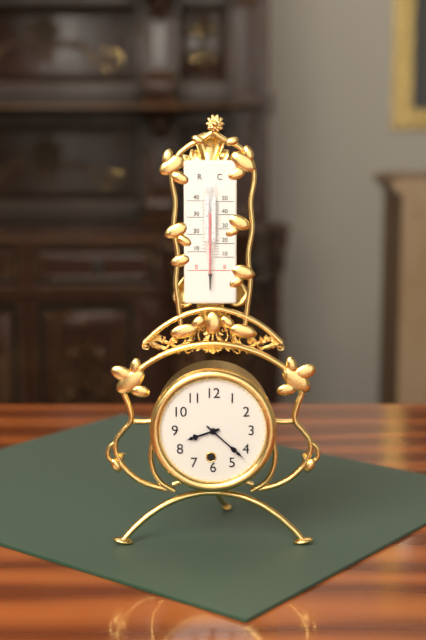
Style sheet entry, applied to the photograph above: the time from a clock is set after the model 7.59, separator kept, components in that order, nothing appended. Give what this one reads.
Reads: 8.22
